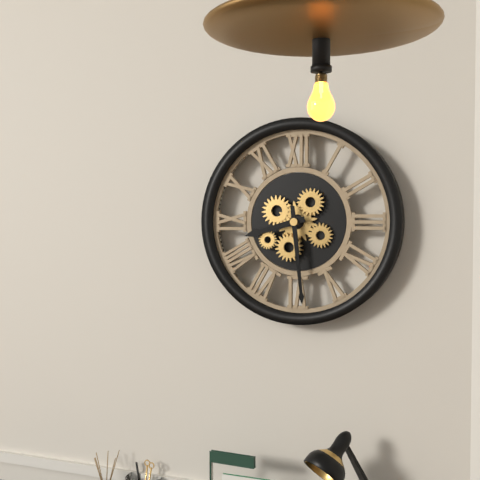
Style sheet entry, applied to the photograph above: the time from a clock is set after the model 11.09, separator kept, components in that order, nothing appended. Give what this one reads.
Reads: 8.29
